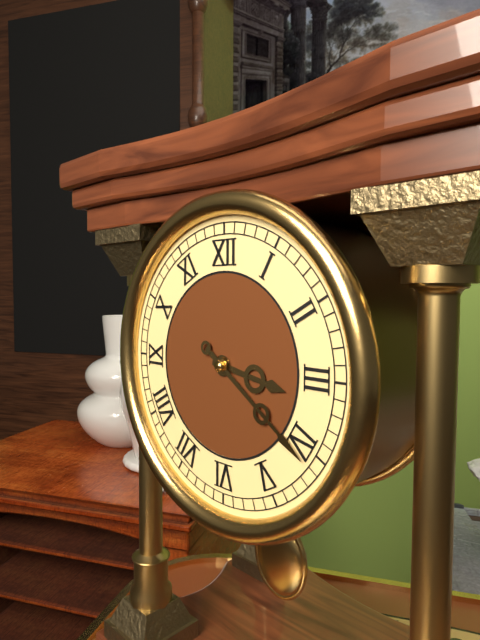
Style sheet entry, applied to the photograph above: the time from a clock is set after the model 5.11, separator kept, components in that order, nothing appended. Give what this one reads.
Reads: 3.21
